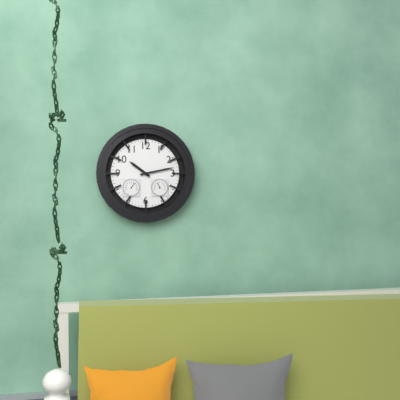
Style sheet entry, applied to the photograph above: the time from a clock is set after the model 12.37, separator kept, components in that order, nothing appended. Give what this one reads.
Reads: 10.13
